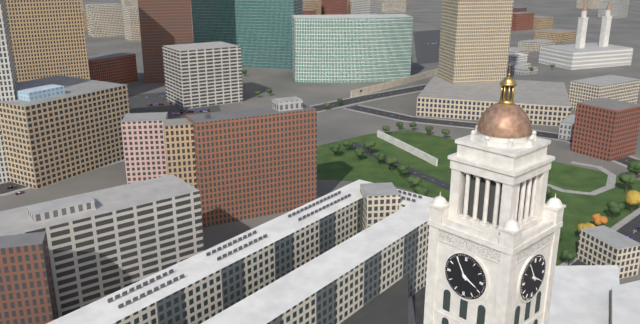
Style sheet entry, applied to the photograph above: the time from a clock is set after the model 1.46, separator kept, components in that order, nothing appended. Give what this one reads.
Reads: 3.55
